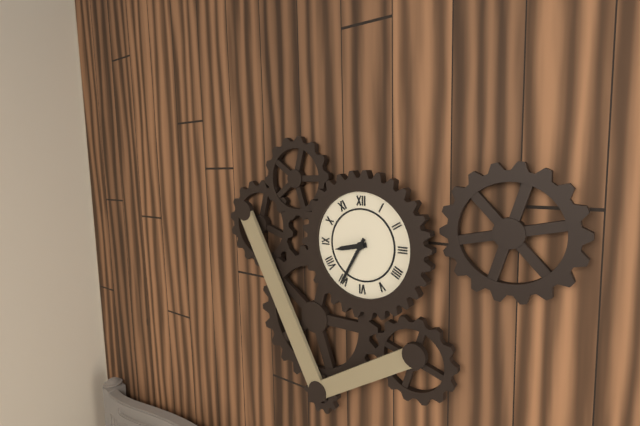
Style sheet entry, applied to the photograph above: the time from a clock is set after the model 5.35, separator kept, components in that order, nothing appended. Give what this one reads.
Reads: 8.35
